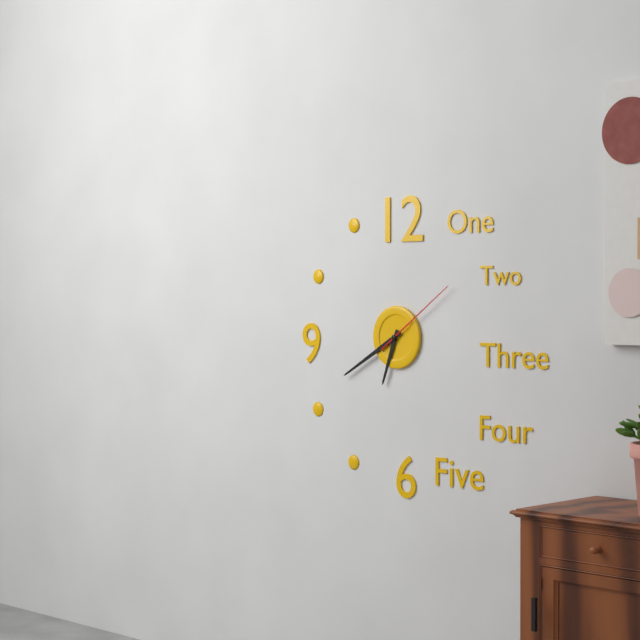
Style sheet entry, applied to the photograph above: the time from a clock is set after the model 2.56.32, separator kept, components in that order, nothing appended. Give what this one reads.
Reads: 6.40.09
